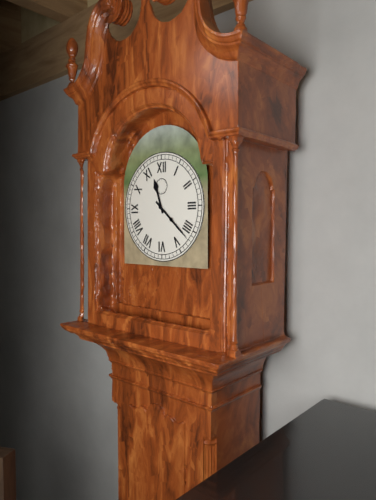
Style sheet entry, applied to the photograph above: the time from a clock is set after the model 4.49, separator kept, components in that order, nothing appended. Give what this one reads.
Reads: 11.22
